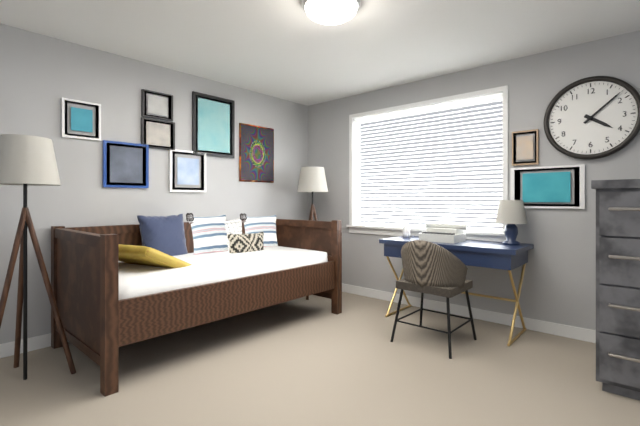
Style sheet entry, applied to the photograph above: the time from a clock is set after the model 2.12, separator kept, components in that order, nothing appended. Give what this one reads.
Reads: 4.08
